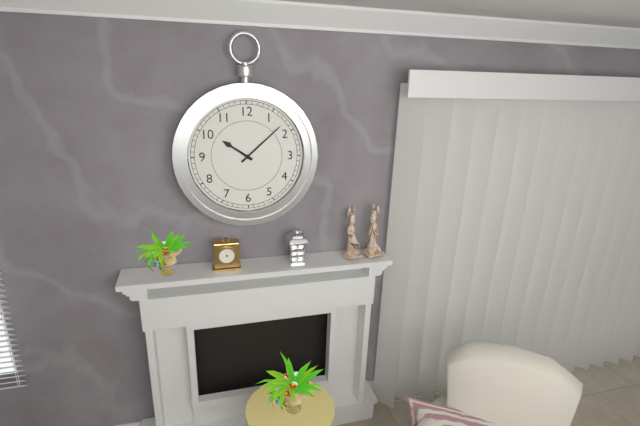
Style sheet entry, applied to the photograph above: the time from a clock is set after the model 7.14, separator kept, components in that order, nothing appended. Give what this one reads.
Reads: 10.08
